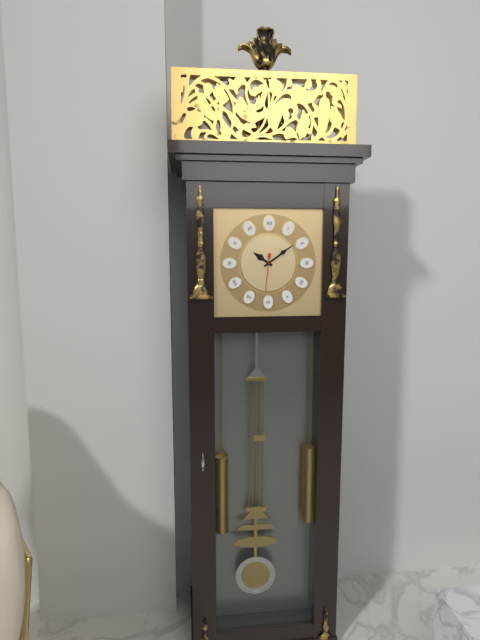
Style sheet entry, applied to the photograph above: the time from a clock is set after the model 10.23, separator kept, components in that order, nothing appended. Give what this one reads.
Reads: 10.09
